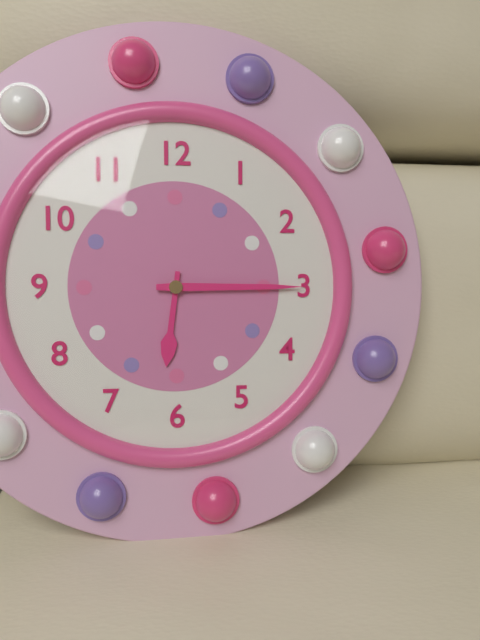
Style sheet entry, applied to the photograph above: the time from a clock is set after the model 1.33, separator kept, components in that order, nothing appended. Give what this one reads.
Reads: 6.15
